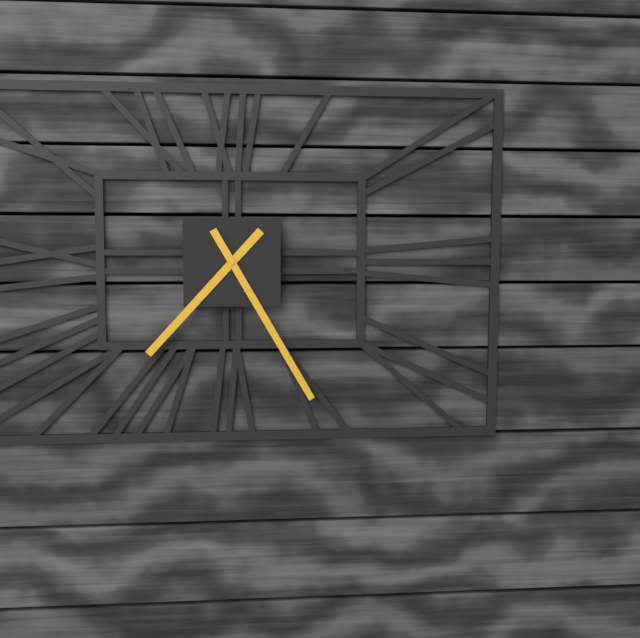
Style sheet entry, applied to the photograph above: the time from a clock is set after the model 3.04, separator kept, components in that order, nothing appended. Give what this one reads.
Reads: 7.25
